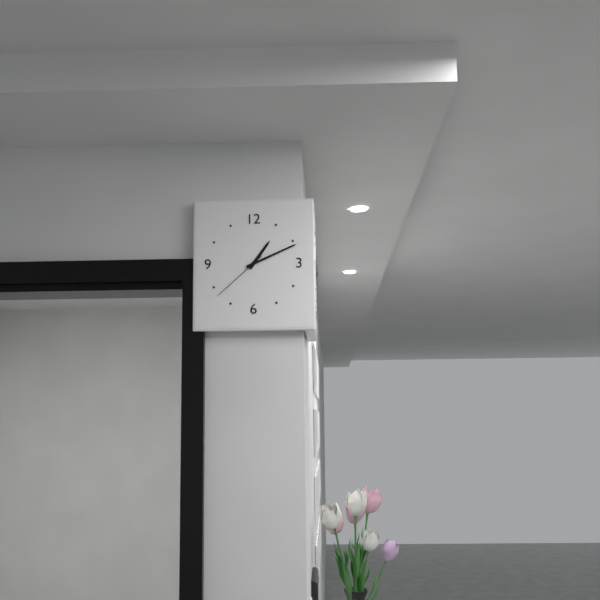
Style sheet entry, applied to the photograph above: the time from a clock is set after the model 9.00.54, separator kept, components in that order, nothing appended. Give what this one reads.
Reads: 1.11.38
